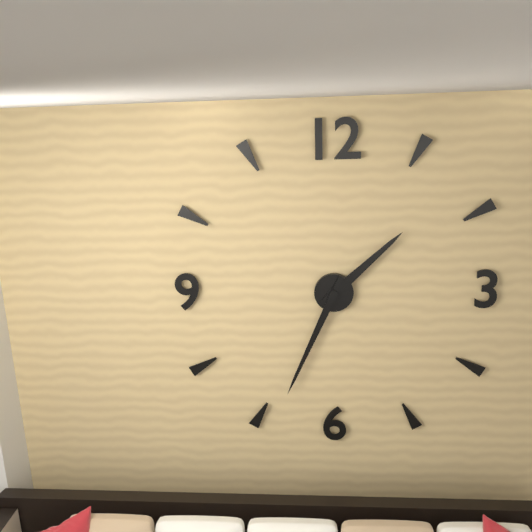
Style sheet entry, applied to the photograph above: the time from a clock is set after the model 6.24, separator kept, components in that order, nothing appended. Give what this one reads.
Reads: 1.34
